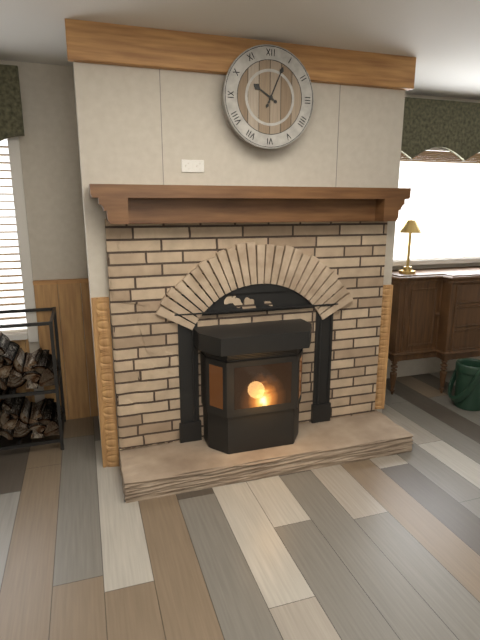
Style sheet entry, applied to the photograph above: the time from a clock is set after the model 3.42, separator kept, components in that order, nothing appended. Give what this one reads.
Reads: 10.04
